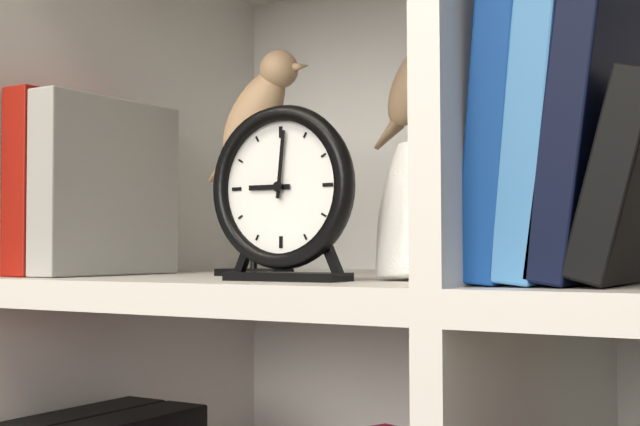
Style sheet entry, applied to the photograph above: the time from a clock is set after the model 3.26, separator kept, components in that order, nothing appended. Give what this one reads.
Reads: 9.01
